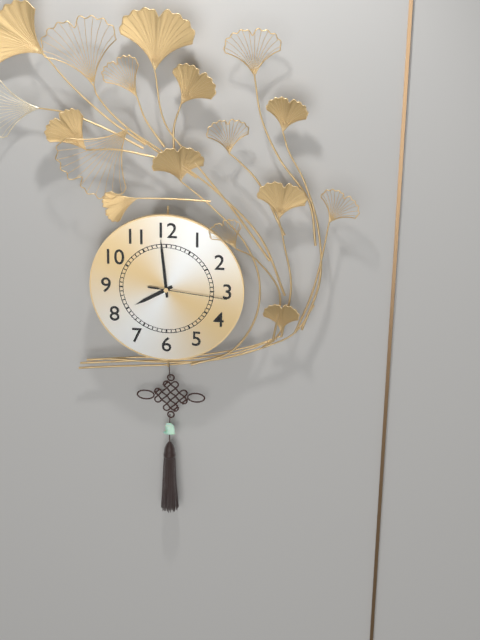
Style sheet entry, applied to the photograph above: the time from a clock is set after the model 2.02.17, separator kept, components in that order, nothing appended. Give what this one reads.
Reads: 7.59.16
